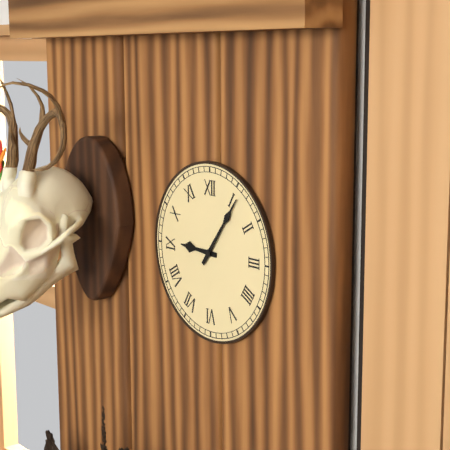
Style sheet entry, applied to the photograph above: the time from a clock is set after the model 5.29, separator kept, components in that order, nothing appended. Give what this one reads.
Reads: 9.06
